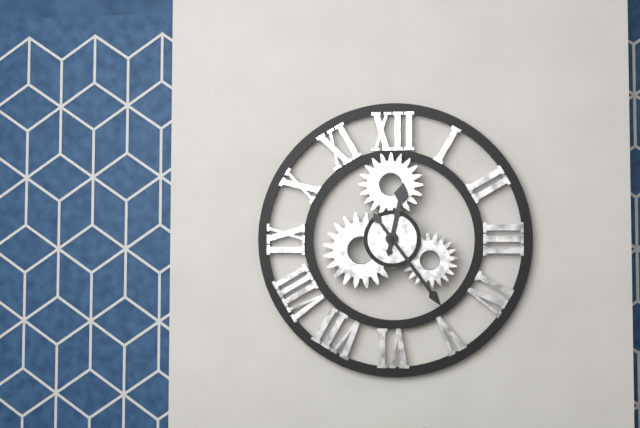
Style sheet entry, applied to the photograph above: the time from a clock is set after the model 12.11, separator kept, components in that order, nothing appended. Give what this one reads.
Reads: 12.24
